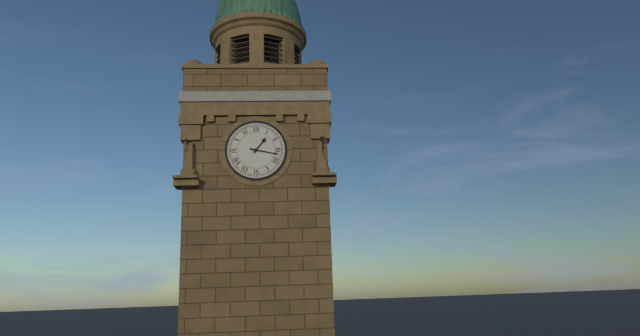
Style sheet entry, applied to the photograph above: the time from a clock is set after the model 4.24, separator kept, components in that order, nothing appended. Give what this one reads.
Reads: 1.17
